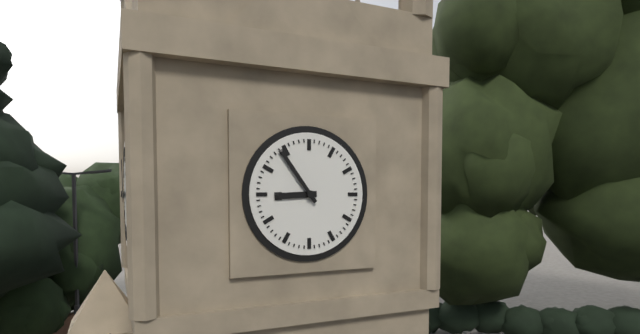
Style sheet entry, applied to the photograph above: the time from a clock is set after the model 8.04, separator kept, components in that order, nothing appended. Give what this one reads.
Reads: 8.54
